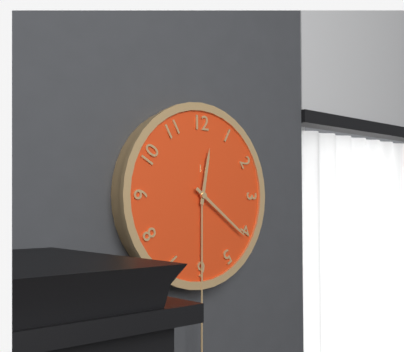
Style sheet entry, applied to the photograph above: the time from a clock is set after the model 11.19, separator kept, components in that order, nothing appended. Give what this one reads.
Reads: 12.21
